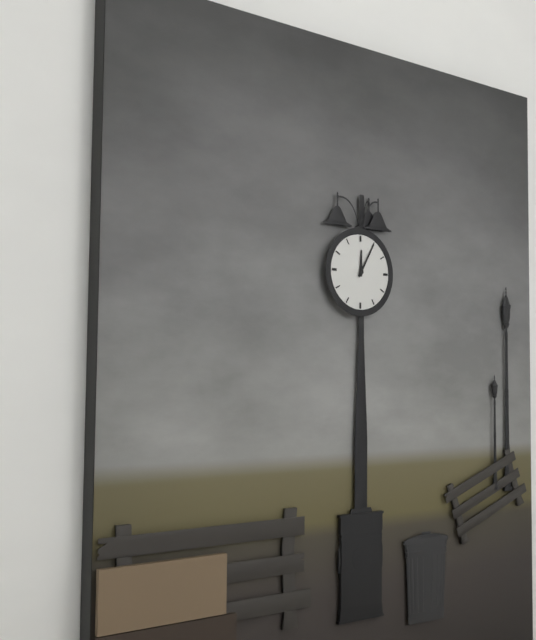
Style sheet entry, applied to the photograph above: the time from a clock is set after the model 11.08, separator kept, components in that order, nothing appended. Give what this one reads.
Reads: 12.05
